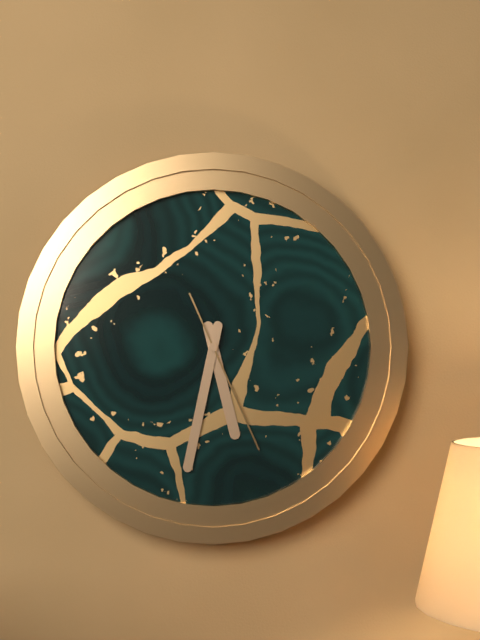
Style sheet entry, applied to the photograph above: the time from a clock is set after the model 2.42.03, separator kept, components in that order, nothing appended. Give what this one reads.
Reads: 5.32.26
